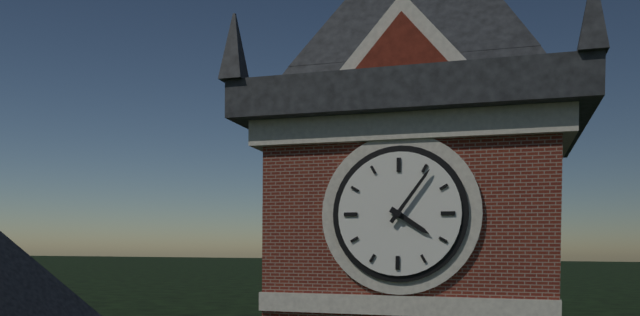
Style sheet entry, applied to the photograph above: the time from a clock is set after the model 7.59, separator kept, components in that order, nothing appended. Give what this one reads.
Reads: 4.06
